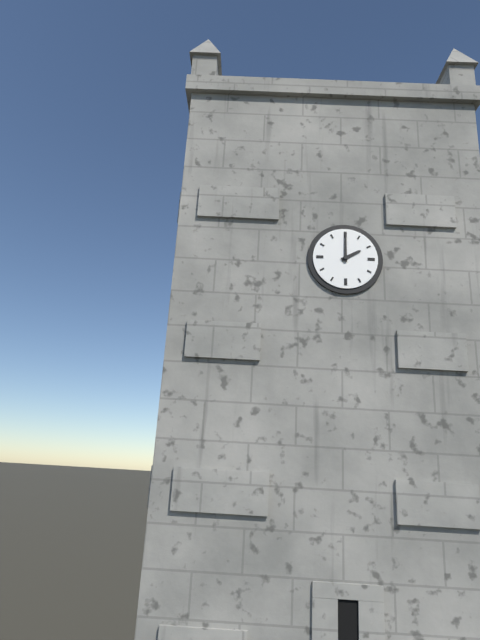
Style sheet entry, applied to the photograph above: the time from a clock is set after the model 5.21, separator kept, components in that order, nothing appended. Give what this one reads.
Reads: 2.00
